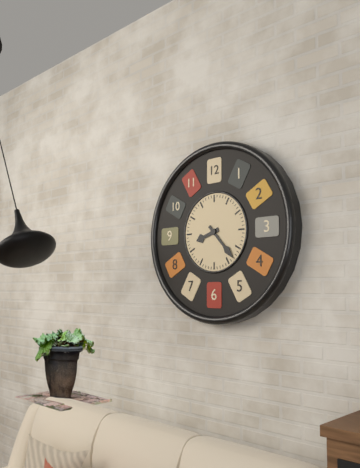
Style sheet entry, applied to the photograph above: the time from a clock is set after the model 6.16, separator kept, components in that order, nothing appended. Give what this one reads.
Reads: 8.23
